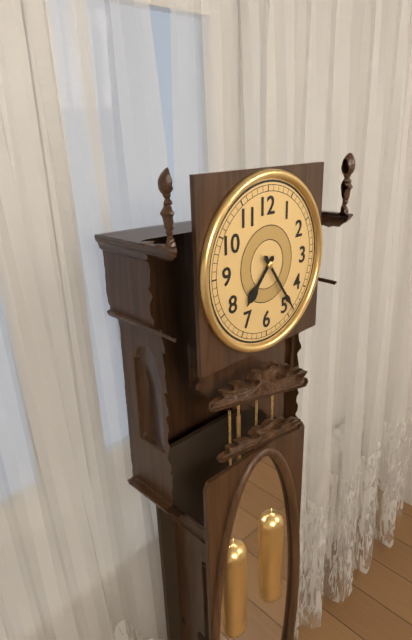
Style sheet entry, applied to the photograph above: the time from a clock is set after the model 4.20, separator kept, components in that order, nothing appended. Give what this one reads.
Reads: 7.24
